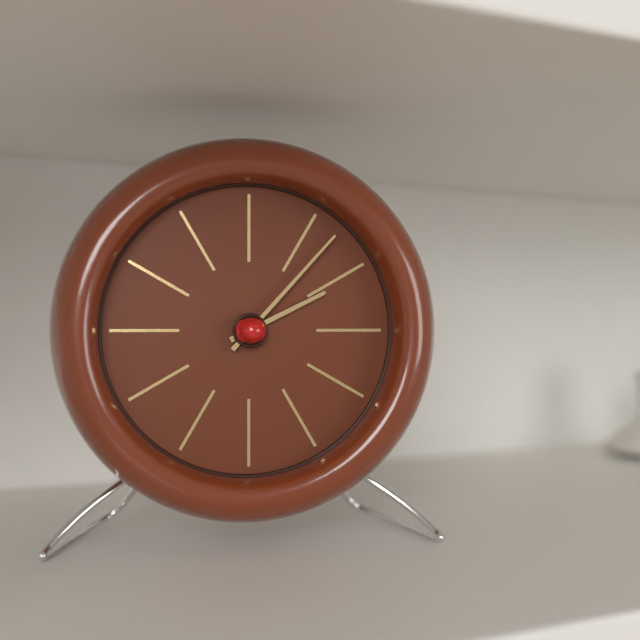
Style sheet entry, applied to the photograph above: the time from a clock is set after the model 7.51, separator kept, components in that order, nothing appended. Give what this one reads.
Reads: 2.07
